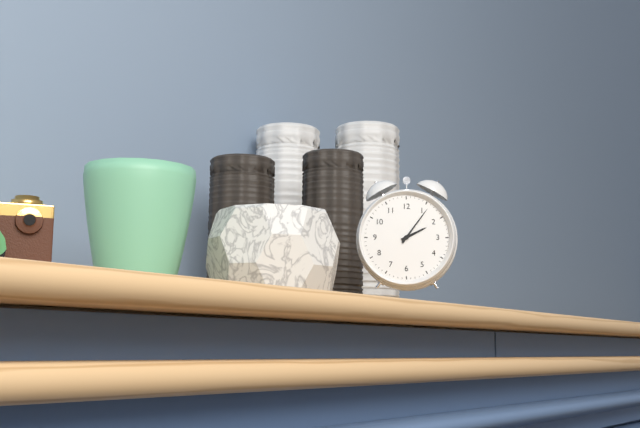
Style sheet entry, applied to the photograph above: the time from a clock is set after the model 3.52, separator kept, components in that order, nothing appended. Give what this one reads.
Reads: 2.06
